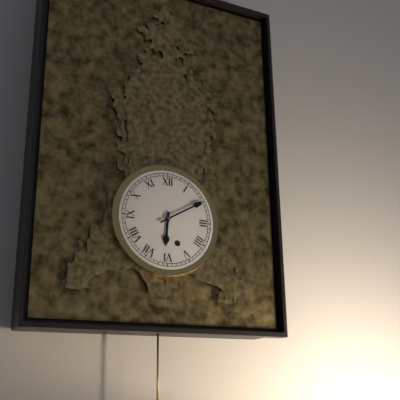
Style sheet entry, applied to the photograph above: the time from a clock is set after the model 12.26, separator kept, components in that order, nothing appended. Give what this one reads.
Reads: 6.10
